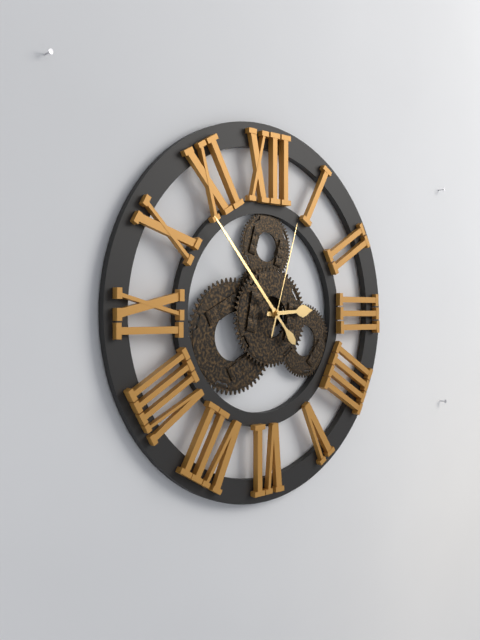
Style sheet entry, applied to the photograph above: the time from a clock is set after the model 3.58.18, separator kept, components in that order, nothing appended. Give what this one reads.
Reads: 2.53.03
